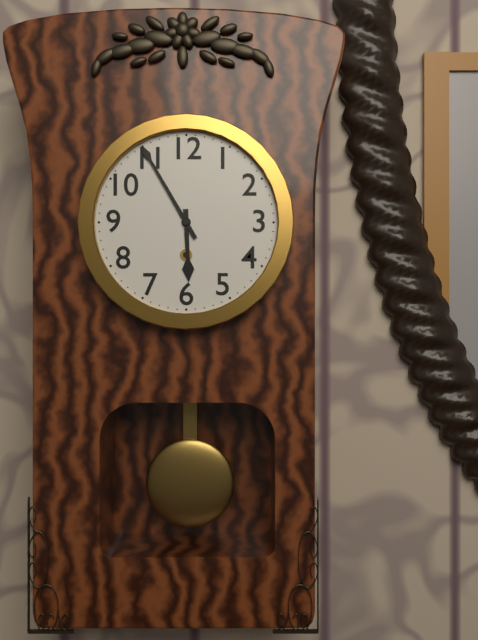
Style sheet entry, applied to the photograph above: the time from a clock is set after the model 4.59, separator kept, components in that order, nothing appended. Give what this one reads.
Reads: 5.55
